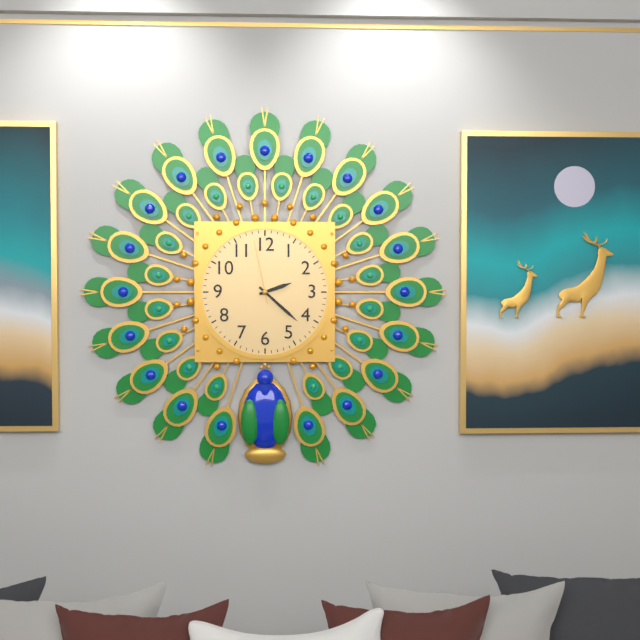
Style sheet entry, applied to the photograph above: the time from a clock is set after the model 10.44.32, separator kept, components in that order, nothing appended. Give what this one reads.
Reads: 2.22.58
